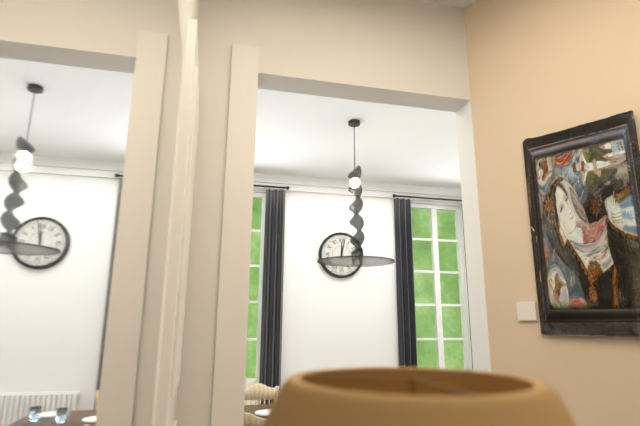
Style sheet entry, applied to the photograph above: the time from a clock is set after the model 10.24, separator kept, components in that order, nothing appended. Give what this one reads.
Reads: 12.02
